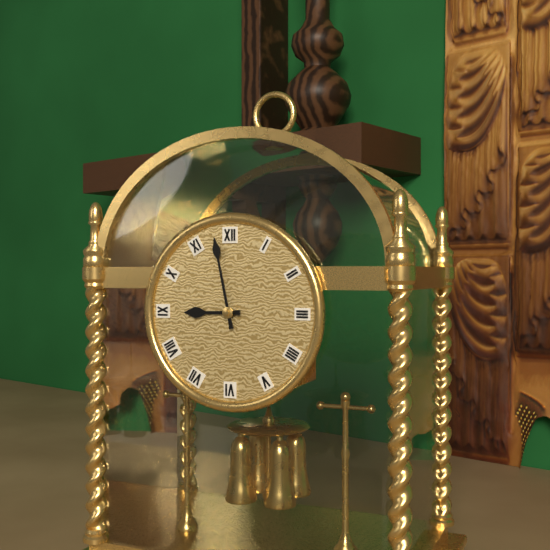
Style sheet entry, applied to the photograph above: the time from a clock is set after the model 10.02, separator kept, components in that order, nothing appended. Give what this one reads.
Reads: 8.58
